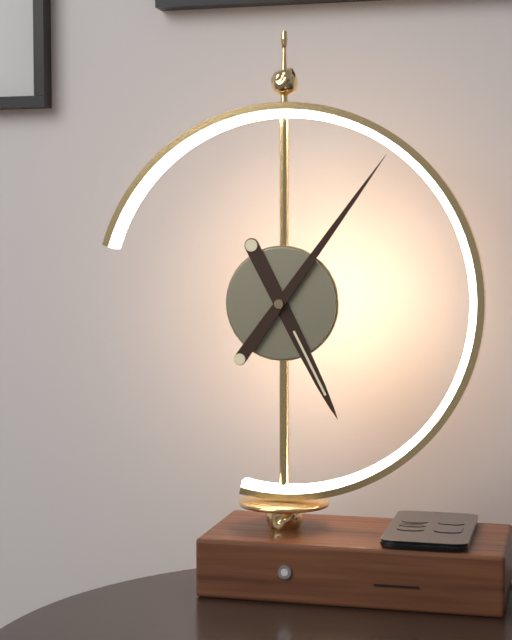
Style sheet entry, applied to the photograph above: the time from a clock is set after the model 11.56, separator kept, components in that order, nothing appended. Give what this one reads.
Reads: 5.06
